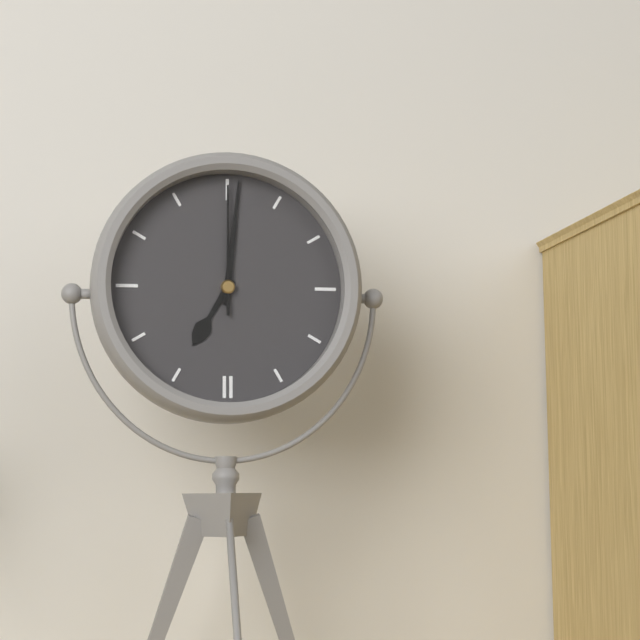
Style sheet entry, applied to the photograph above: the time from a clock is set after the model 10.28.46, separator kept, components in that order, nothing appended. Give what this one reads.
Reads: 7.01.00
